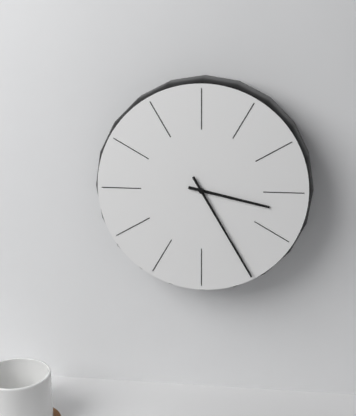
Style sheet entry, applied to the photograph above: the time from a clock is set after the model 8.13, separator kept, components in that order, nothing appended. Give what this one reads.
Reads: 3.25
